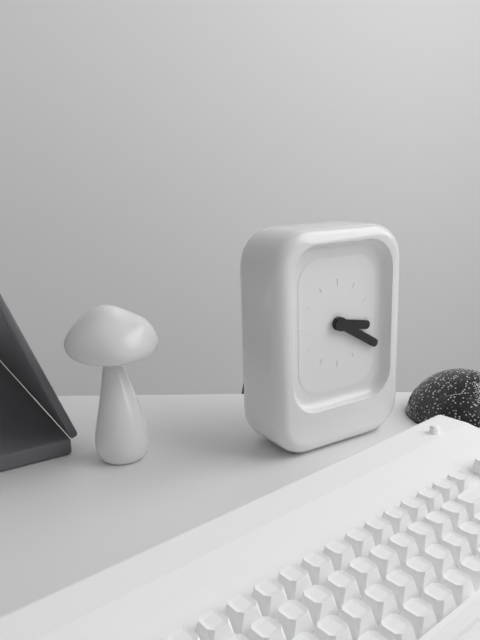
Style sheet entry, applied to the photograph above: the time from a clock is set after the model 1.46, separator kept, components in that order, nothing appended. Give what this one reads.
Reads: 3.20
